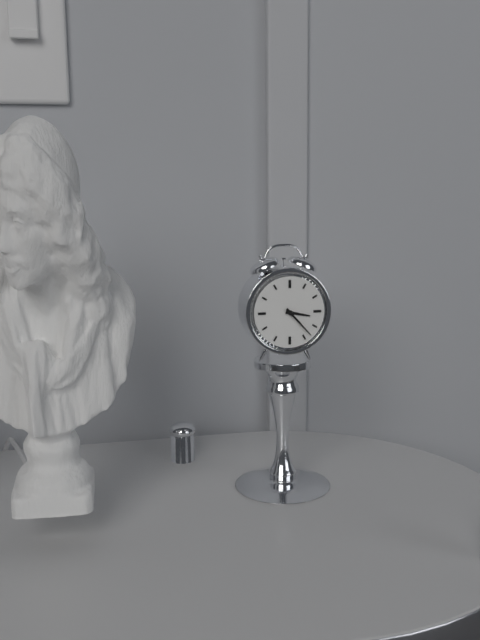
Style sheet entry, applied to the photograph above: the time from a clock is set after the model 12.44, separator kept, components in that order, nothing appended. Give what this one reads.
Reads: 3.23
